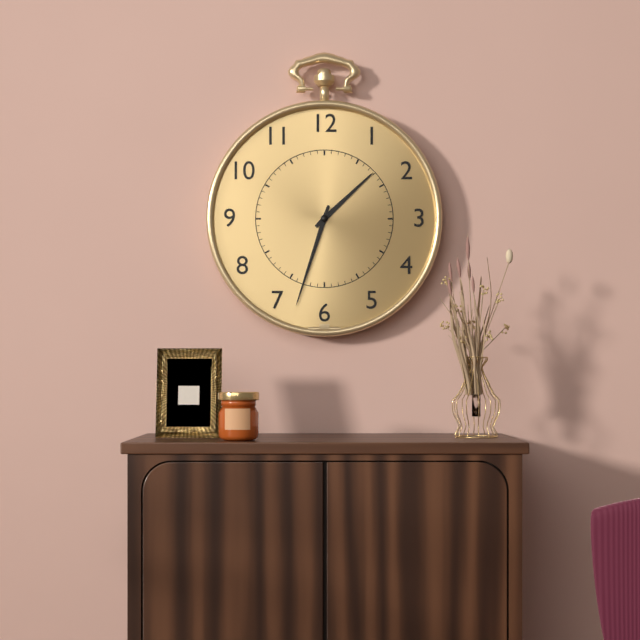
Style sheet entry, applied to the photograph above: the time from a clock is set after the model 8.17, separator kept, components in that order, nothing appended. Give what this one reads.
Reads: 1.33
